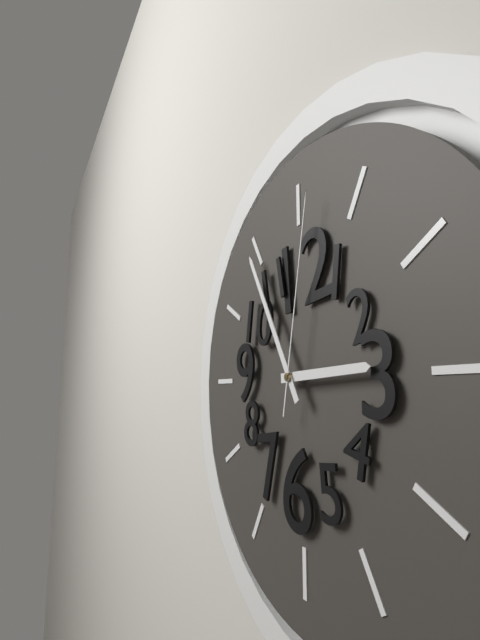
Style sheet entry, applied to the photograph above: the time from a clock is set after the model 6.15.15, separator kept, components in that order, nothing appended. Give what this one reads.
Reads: 2.55.02
